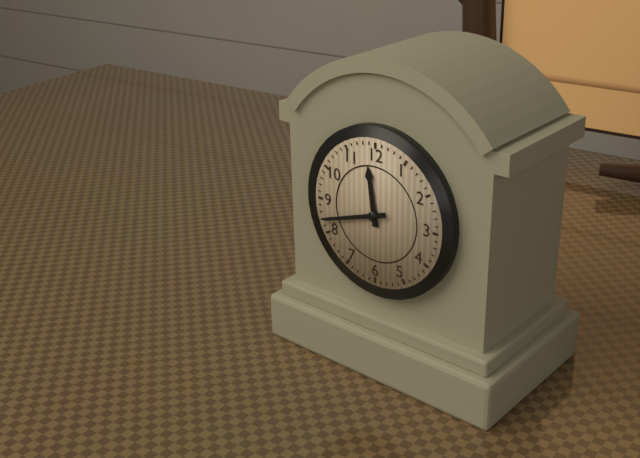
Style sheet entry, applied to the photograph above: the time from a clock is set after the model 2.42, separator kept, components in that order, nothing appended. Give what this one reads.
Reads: 11.42
